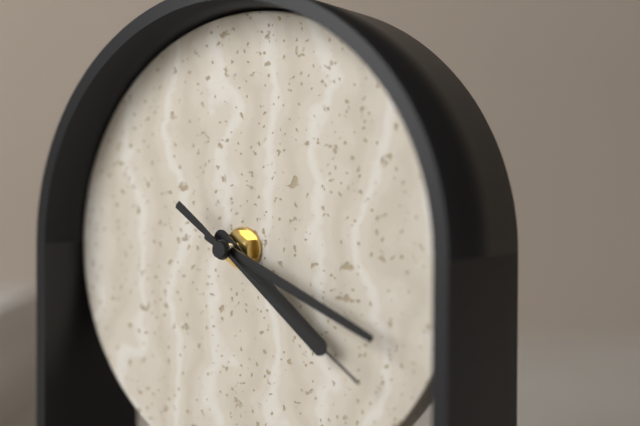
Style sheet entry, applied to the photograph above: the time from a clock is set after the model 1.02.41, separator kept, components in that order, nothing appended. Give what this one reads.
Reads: 4.19.21
